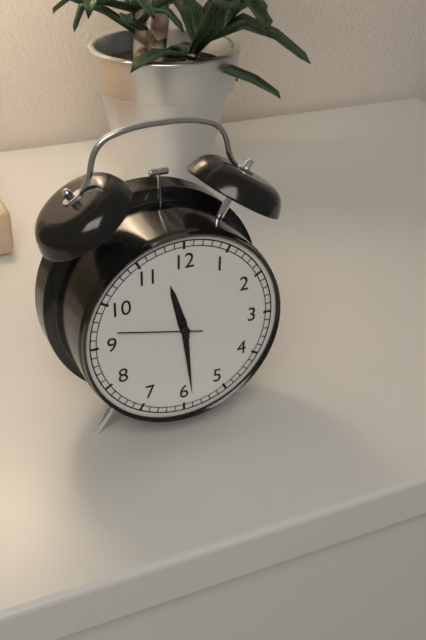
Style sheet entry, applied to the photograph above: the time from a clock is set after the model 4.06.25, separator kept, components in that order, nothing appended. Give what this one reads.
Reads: 11.29.47
